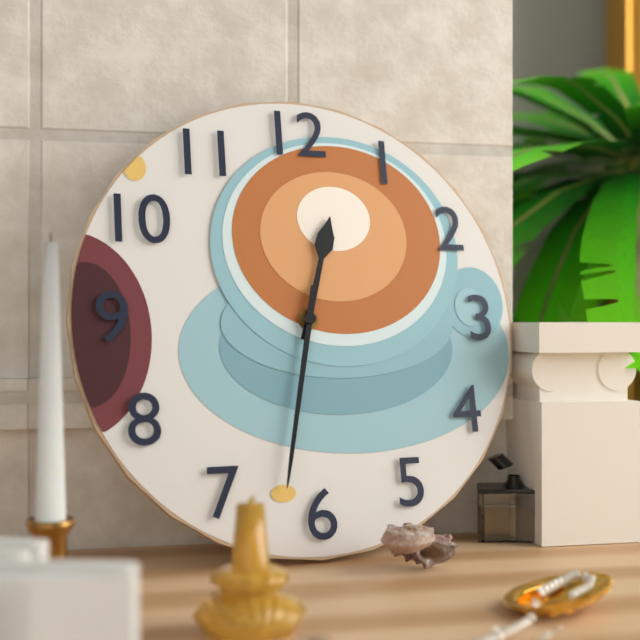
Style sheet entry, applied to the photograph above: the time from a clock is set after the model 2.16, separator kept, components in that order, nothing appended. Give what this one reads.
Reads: 12.32
